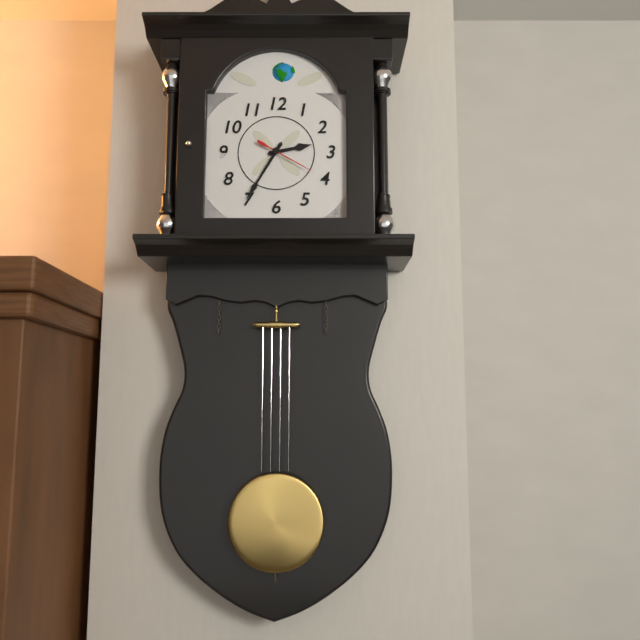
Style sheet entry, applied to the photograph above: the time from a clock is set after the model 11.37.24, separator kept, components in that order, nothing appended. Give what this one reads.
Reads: 2.35.20
